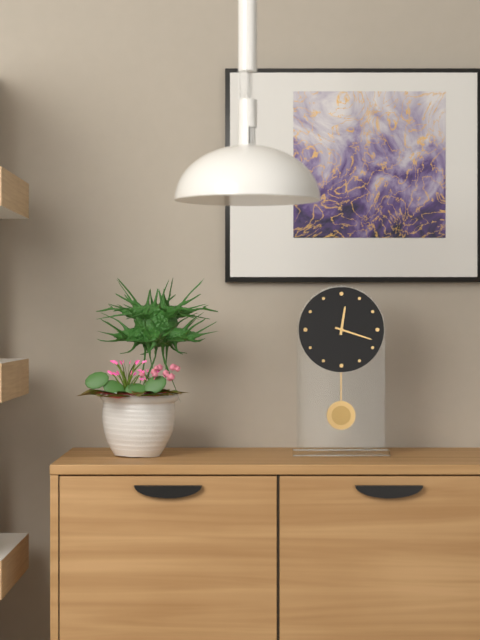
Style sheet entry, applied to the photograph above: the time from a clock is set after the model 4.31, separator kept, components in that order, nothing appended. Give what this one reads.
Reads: 12.18
